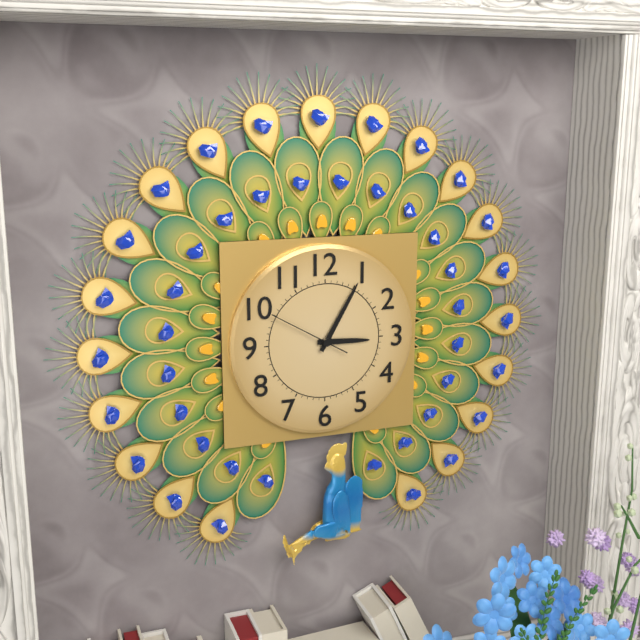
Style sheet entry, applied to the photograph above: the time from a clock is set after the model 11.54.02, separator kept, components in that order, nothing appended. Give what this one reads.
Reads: 3.05.50
